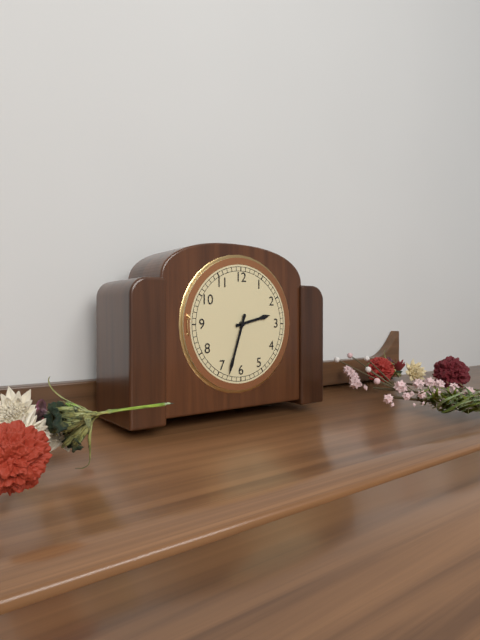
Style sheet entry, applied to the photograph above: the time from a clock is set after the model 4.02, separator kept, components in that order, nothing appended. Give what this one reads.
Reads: 2.33
